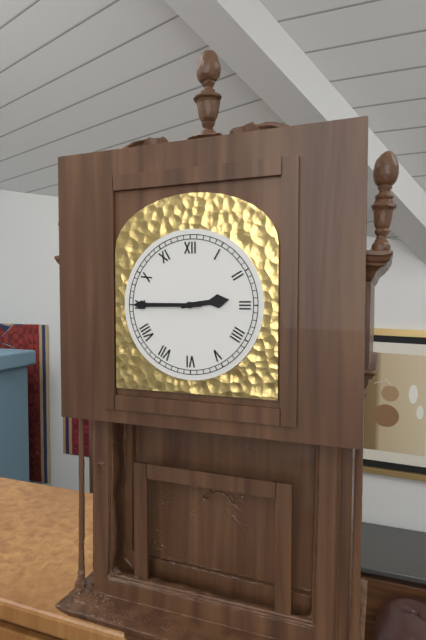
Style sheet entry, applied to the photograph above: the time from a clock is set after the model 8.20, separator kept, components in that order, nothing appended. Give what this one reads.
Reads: 2.45
